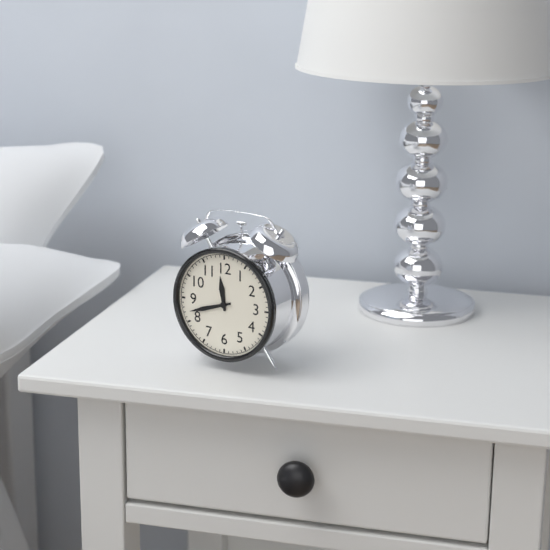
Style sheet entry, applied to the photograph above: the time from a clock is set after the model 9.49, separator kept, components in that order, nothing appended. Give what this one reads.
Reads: 11.42
